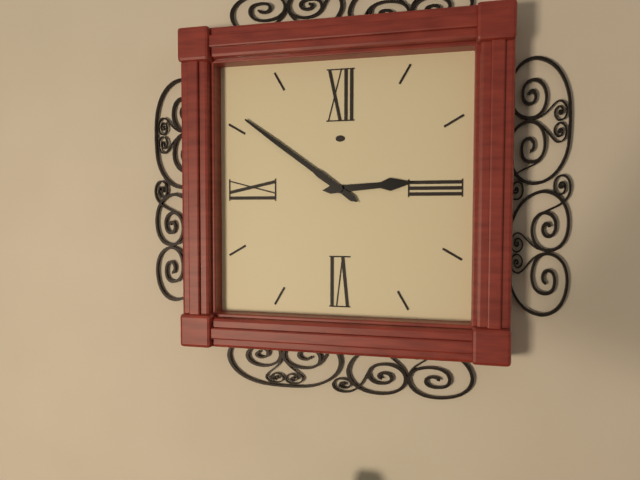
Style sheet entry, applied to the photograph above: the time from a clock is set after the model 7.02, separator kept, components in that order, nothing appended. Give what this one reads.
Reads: 2.51
